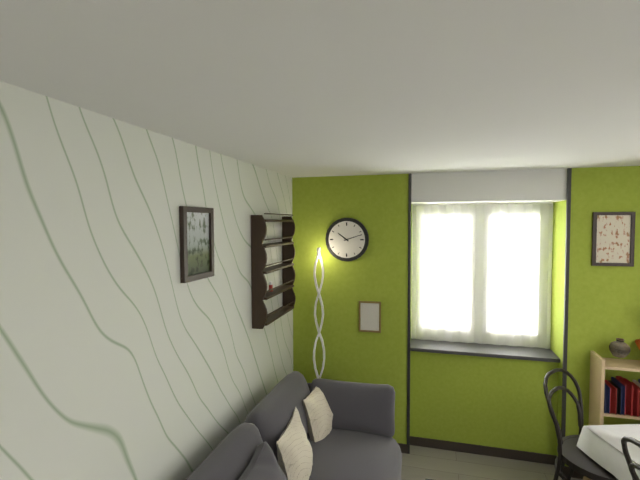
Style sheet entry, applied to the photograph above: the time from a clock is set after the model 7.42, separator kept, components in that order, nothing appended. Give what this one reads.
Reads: 10.12
